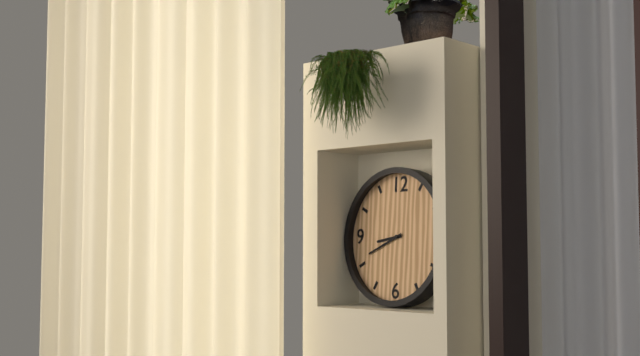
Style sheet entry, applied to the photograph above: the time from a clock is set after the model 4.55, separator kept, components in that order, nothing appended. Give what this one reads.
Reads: 8.41
